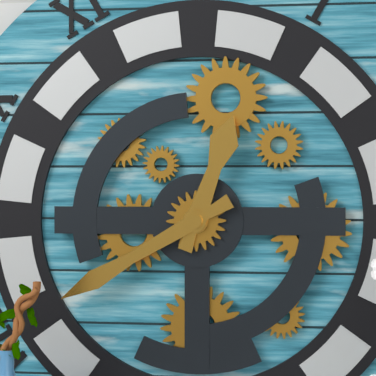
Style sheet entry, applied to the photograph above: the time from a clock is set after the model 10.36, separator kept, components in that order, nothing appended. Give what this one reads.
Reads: 12.40
